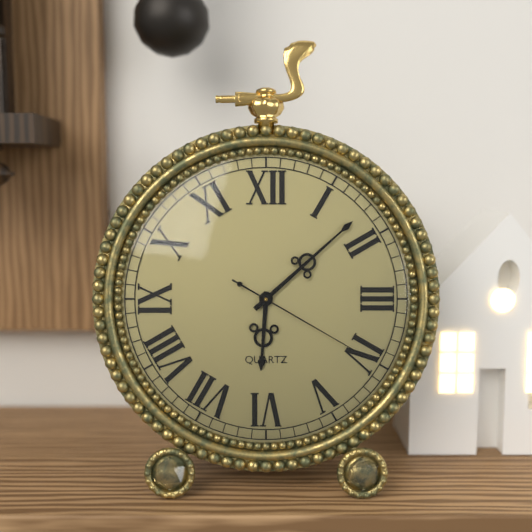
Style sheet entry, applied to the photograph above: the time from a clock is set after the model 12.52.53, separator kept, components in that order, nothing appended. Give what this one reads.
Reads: 6.08.20
